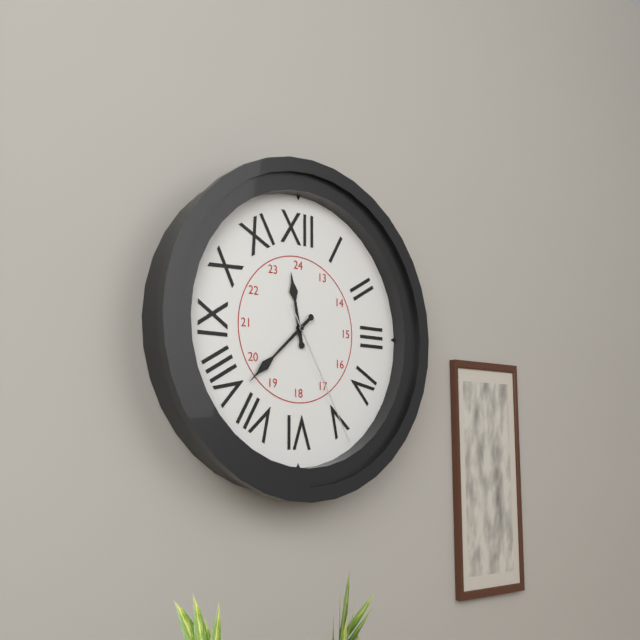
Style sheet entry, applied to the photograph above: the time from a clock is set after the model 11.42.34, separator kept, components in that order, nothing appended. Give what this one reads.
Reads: 11.38.25
